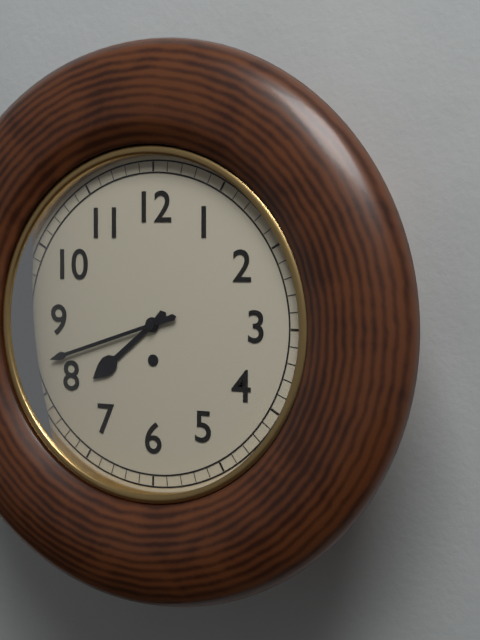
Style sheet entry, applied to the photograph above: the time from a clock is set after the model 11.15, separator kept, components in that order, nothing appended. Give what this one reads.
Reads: 7.42
